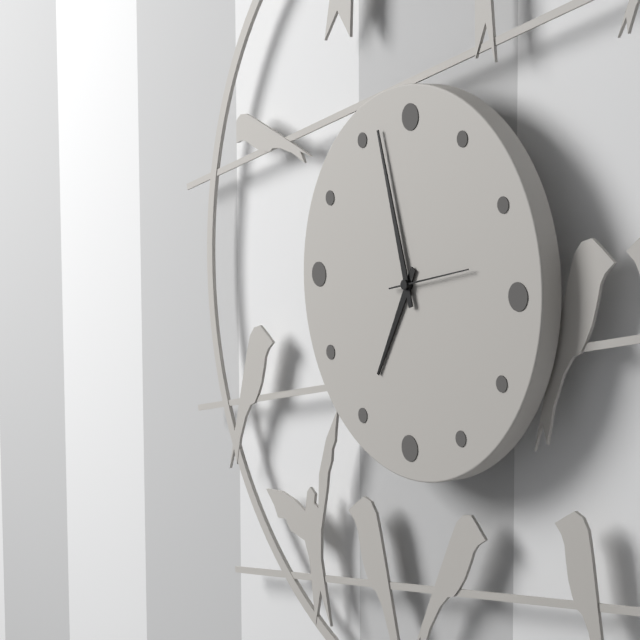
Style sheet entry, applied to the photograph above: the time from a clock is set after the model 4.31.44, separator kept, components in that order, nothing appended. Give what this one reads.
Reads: 6.57.13
